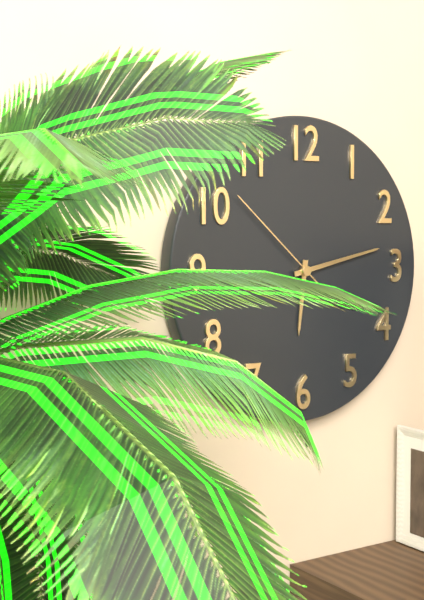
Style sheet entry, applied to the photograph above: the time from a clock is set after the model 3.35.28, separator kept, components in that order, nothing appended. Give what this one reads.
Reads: 6.13.52
